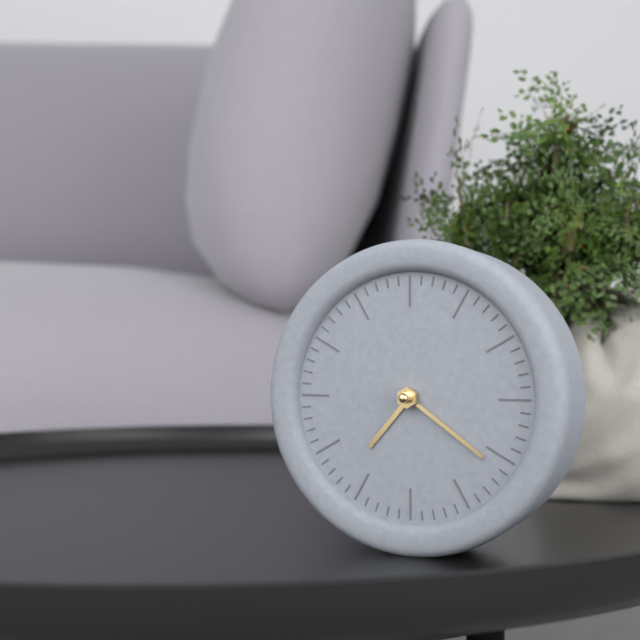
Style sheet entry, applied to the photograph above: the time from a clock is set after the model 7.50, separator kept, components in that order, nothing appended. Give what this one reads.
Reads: 7.21
